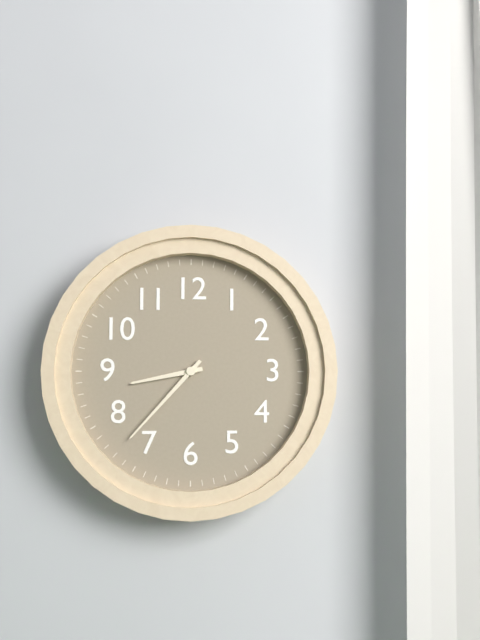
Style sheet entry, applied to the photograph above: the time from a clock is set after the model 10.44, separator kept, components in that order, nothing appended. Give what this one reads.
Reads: 8.37
